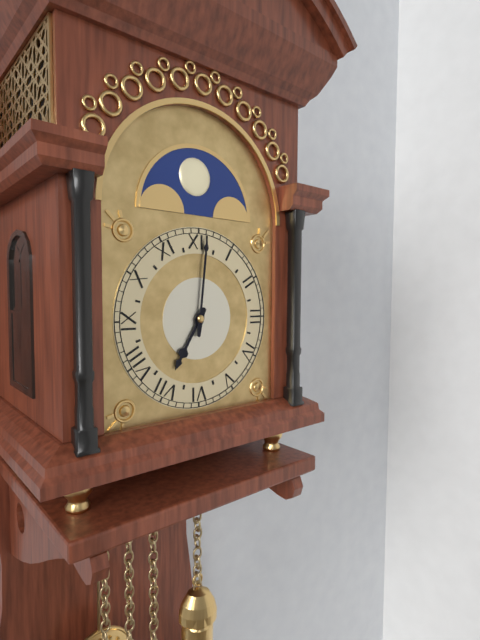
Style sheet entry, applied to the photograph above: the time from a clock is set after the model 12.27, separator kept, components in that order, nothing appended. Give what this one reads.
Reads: 7.01
